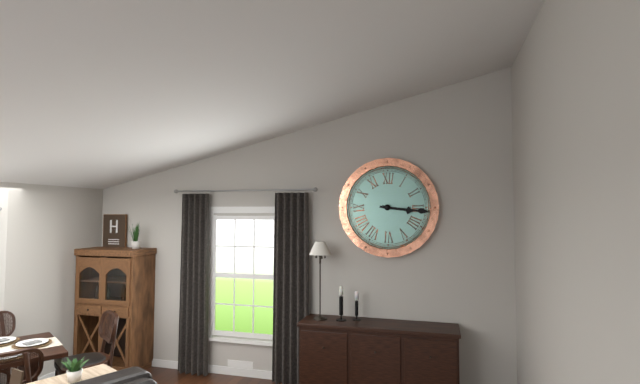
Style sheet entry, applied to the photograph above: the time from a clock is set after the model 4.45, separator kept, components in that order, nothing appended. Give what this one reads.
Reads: 3.16
